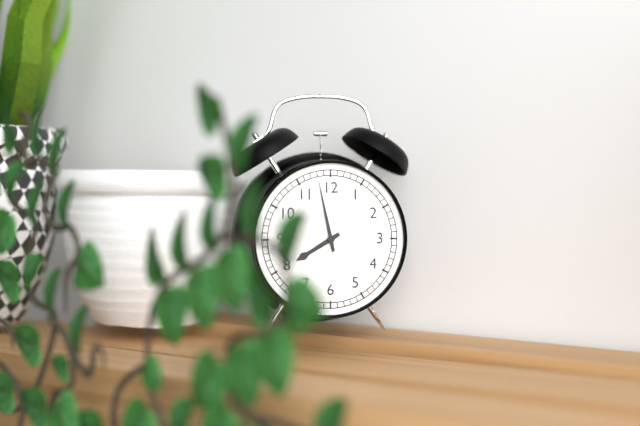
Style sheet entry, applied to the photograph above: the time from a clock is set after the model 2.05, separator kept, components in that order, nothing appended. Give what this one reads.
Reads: 7.58
